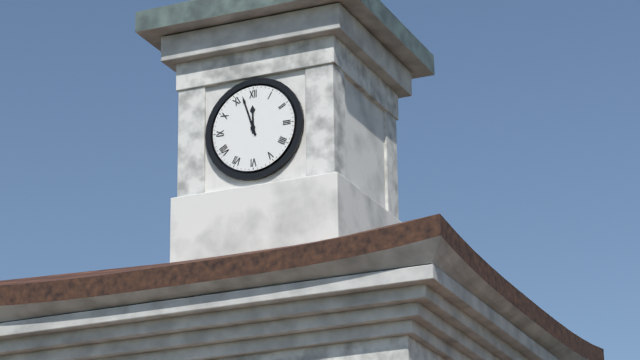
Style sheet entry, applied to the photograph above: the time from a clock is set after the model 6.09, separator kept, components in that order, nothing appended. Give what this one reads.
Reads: 11.57
